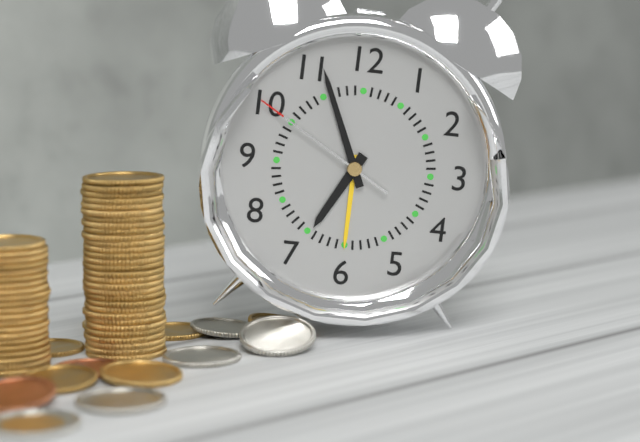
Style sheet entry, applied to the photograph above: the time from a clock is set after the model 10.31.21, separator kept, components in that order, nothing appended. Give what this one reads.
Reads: 6.56.50
